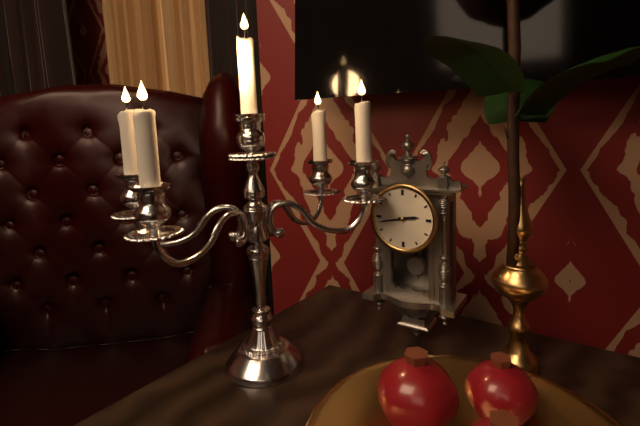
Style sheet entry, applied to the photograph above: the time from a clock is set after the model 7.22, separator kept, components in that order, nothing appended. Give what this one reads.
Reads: 2.43
